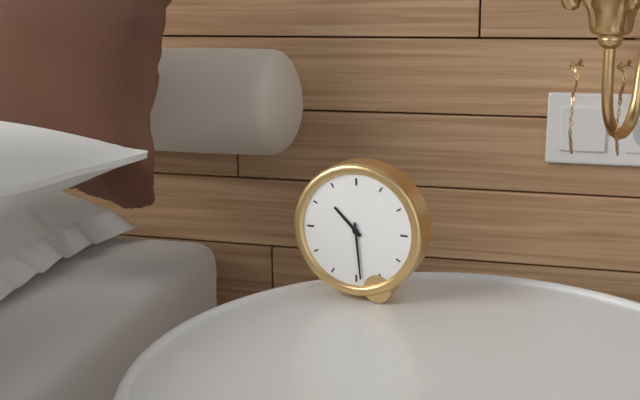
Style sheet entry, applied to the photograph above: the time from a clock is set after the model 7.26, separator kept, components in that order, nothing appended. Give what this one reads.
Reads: 10.29
